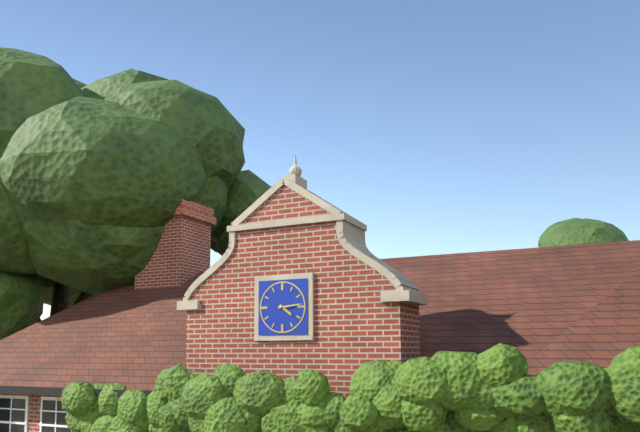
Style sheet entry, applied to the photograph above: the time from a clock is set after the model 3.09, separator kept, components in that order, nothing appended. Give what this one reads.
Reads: 4.14
